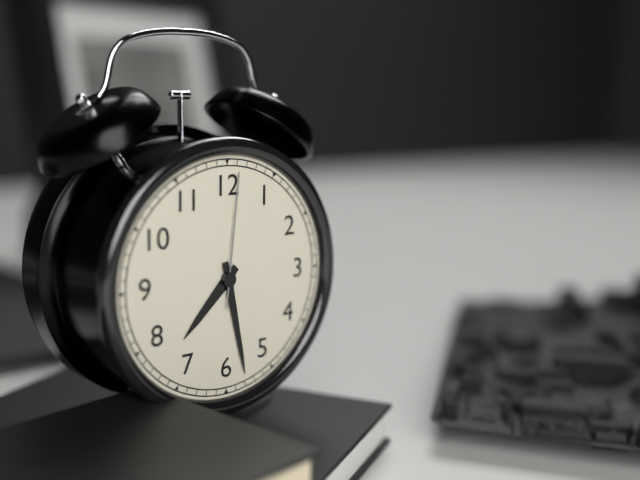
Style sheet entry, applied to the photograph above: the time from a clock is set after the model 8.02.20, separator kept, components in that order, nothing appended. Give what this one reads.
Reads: 7.28.01
